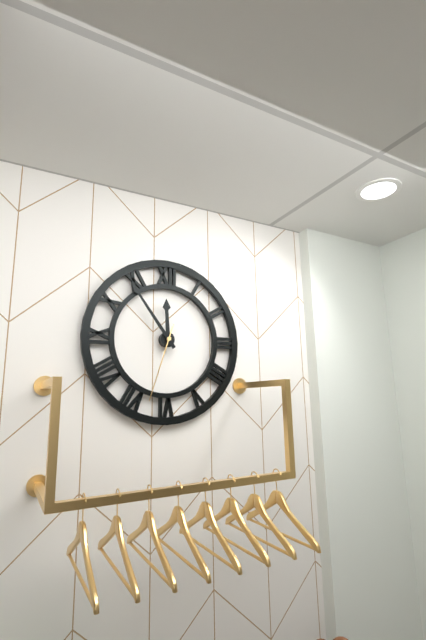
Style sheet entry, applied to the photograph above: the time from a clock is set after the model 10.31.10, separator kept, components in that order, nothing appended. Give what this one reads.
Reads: 11.54.33
